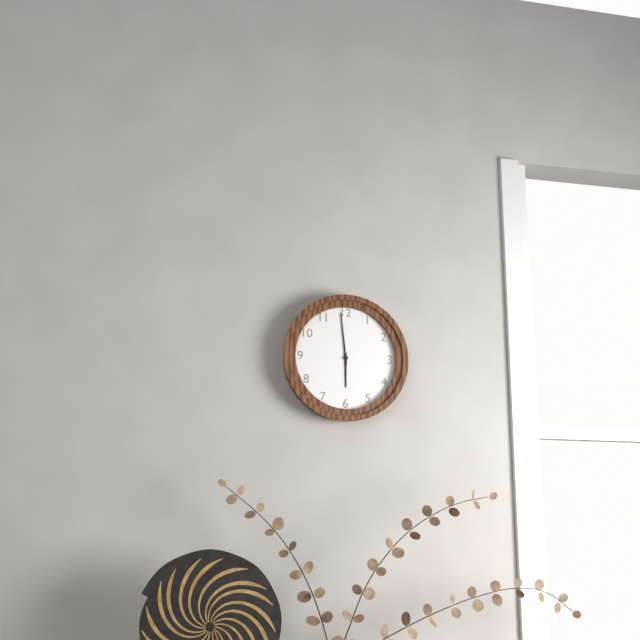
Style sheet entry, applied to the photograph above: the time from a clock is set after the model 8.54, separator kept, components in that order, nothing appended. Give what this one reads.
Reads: 5.59
